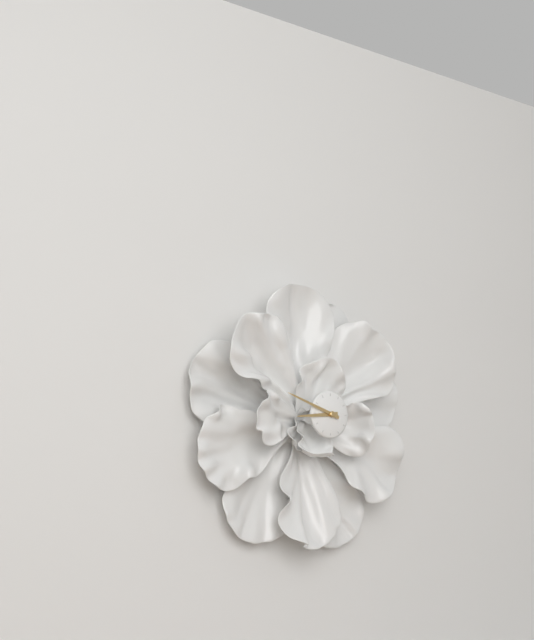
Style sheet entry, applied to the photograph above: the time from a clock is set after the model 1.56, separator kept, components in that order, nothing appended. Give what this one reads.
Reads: 8.48
